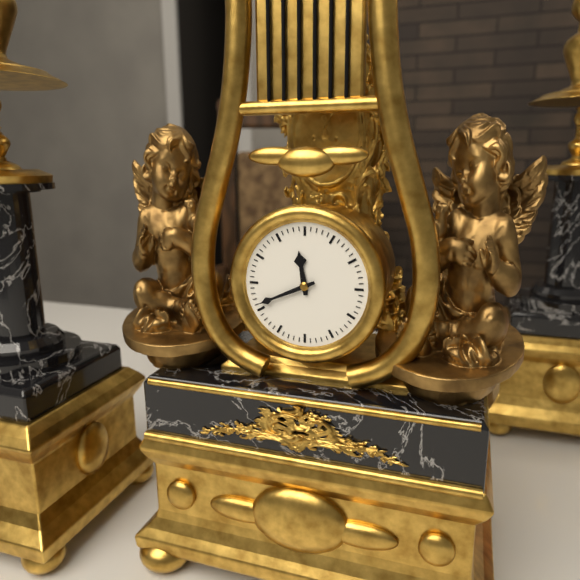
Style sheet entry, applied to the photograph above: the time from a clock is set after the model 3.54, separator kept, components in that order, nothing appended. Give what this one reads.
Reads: 11.41
